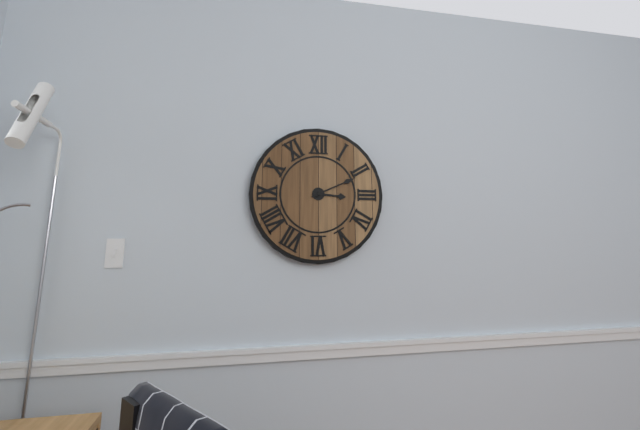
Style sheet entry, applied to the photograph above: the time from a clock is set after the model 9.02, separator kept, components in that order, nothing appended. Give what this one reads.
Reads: 3.11
